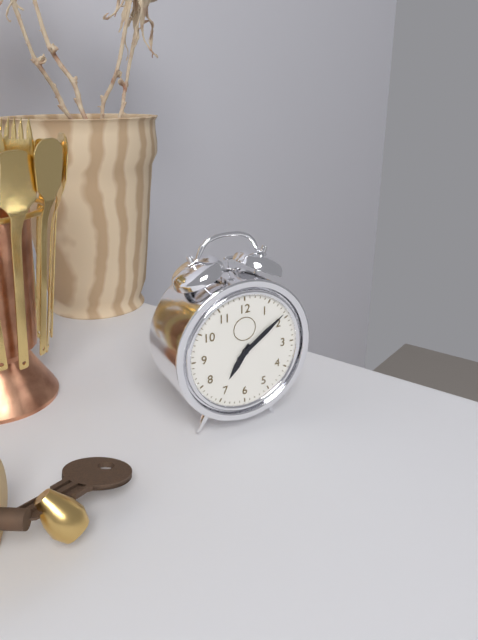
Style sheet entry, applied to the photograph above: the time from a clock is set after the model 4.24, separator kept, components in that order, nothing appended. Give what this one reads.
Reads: 7.09
